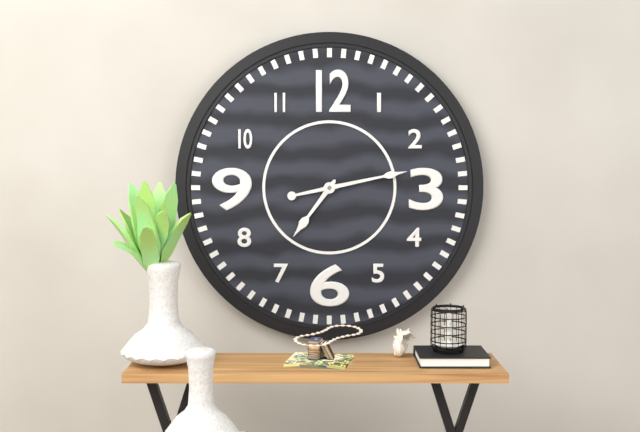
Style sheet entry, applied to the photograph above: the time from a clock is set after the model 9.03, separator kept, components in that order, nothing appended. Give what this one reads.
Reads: 7.13
